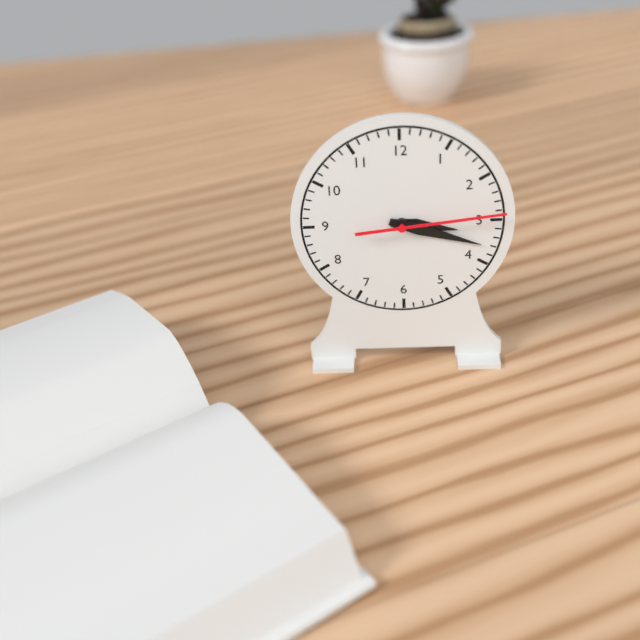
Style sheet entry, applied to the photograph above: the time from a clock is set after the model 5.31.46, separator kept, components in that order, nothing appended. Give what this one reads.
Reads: 3.18.14
